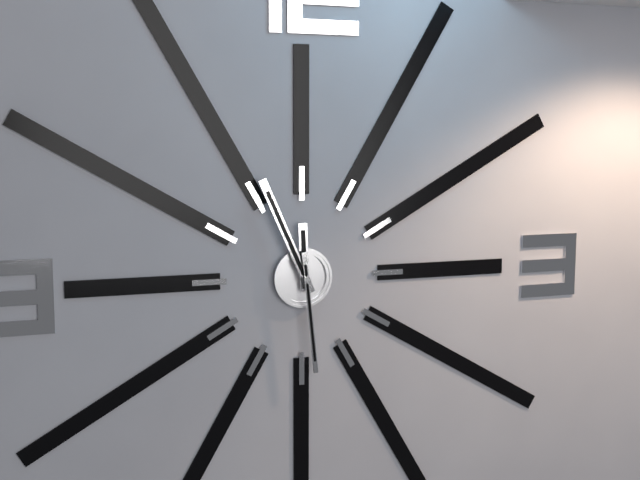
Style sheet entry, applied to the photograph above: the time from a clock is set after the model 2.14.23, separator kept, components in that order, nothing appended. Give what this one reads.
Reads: 11.56.29
